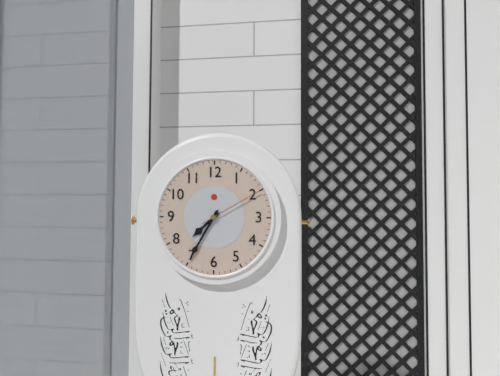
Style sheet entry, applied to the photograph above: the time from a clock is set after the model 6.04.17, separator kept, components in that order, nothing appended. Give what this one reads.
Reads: 7.35.10
